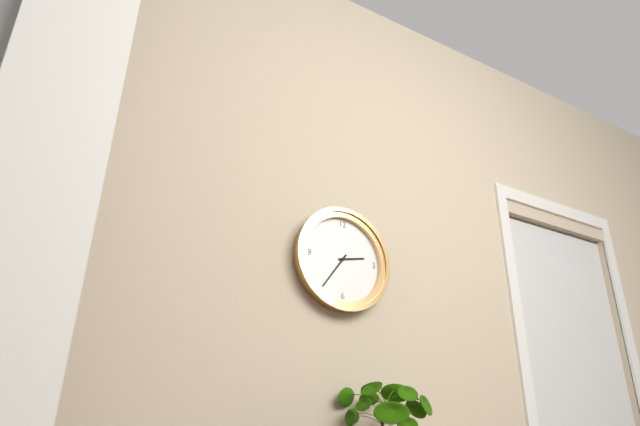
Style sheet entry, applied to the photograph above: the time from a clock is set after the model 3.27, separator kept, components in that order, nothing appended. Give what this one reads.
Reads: 2.36
